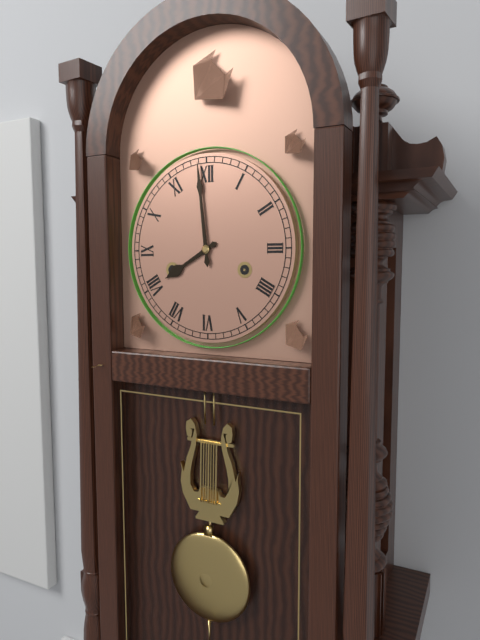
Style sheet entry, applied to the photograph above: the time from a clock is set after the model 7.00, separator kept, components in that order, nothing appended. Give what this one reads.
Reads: 7.59
